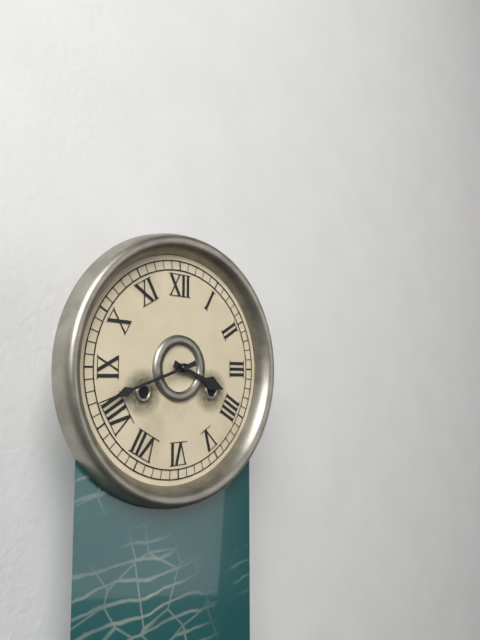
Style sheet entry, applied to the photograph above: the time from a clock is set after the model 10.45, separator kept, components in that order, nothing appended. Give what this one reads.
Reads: 3.42
